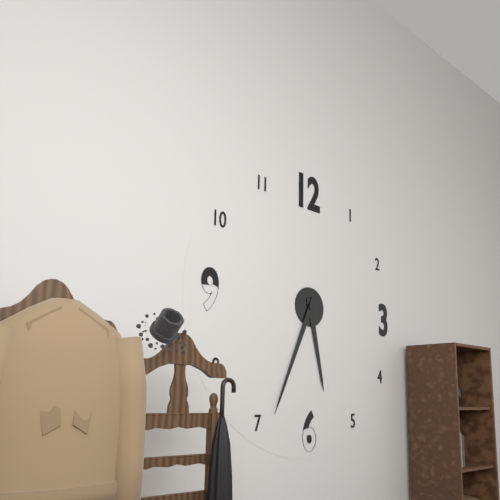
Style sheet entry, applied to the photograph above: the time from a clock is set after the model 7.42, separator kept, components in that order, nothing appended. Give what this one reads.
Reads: 5.34
